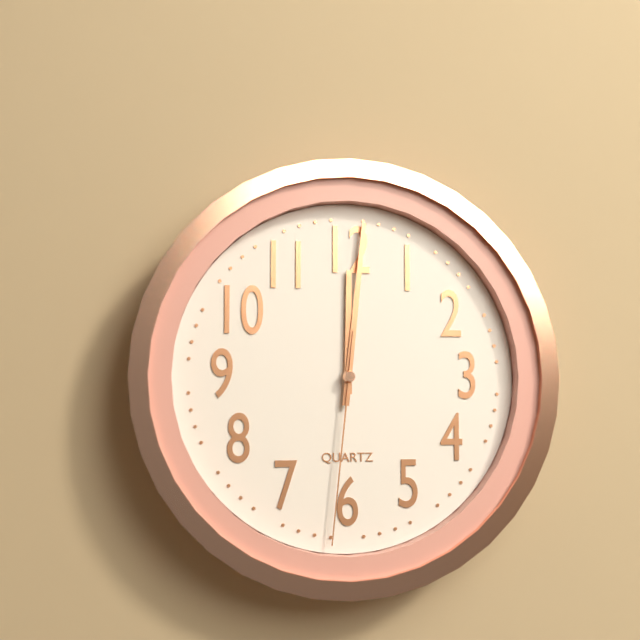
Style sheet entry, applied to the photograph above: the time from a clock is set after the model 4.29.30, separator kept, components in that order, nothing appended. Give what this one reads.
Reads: 12.01.31
